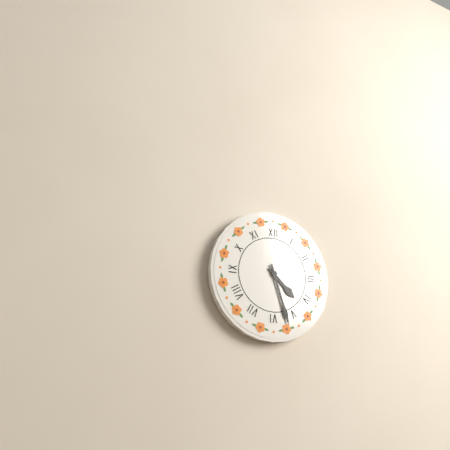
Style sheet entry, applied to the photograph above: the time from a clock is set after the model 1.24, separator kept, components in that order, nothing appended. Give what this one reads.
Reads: 4.27
